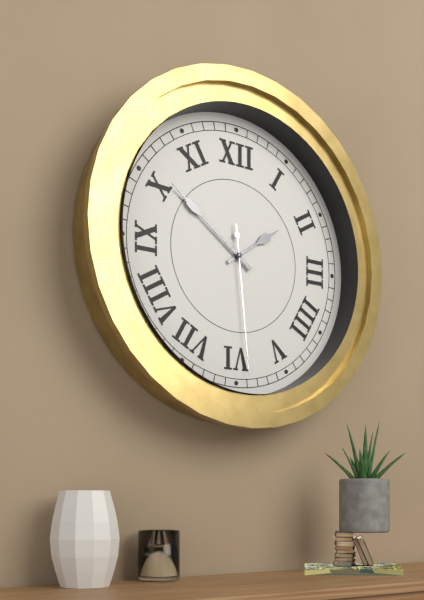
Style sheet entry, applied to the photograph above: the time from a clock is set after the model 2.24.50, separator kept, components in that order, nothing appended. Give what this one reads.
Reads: 1.51.29
